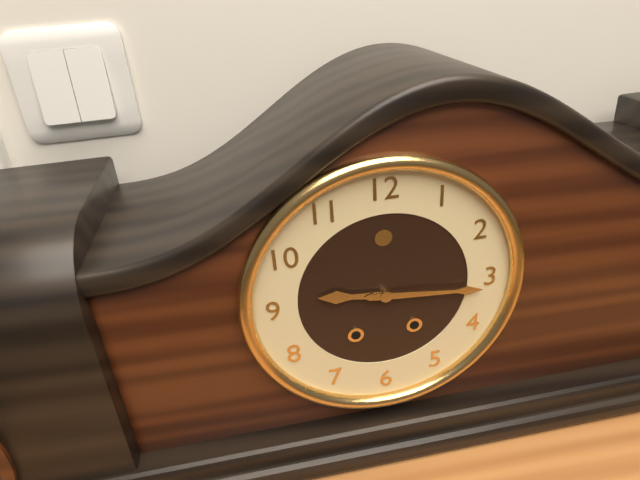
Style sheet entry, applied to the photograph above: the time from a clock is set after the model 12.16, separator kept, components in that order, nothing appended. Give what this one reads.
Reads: 9.16
